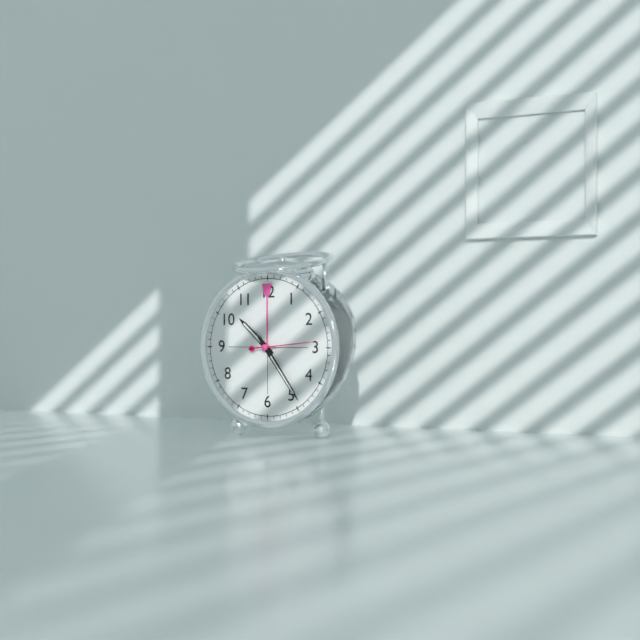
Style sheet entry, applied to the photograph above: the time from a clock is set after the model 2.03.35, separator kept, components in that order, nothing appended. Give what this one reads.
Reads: 10.24.14
